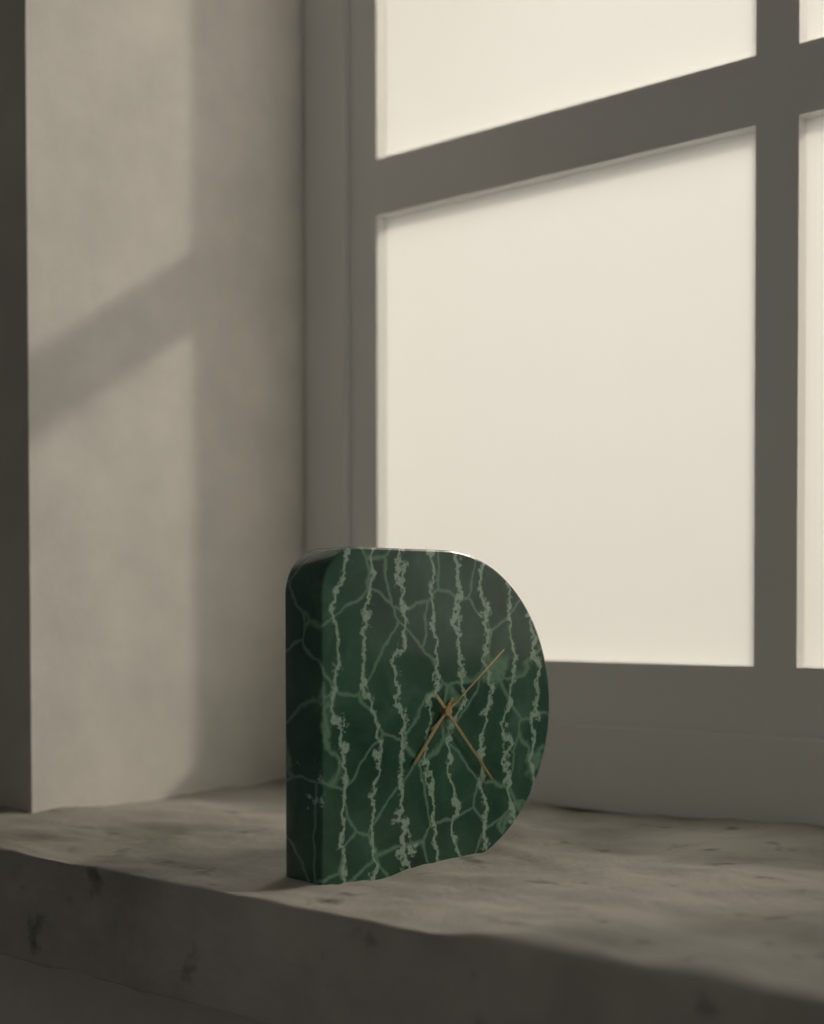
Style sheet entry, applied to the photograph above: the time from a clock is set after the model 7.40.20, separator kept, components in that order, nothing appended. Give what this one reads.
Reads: 7.23.09
